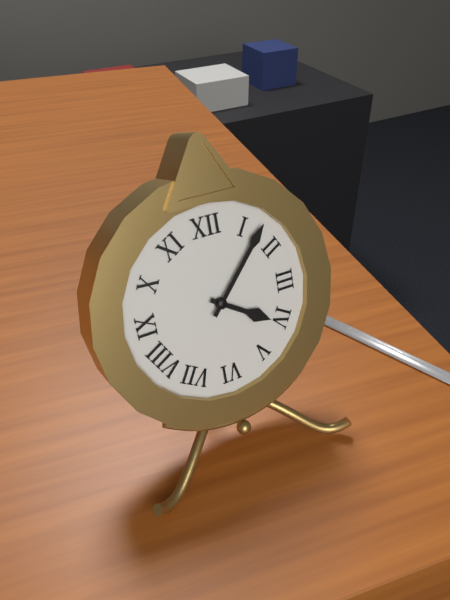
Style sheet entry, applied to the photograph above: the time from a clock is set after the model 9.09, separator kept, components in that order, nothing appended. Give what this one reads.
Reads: 4.07
